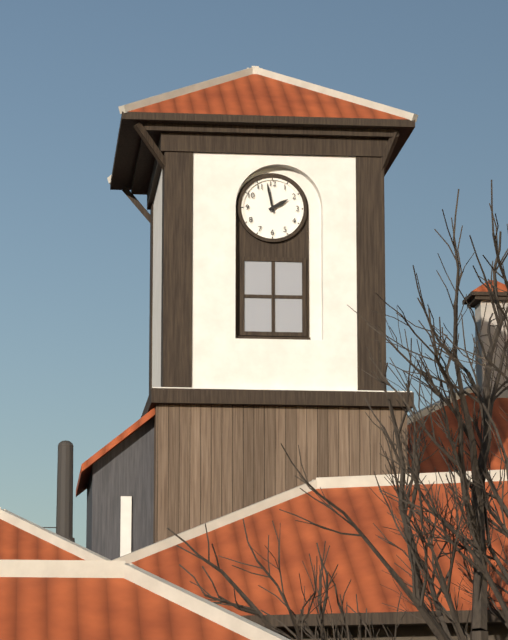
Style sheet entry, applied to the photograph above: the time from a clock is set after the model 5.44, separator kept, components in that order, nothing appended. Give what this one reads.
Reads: 1.58
